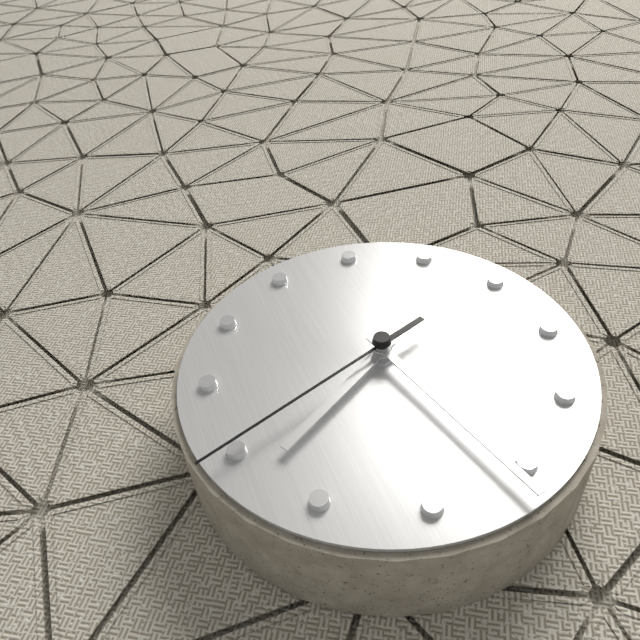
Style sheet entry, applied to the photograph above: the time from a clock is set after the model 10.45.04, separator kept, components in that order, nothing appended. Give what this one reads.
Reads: 9.36.50
